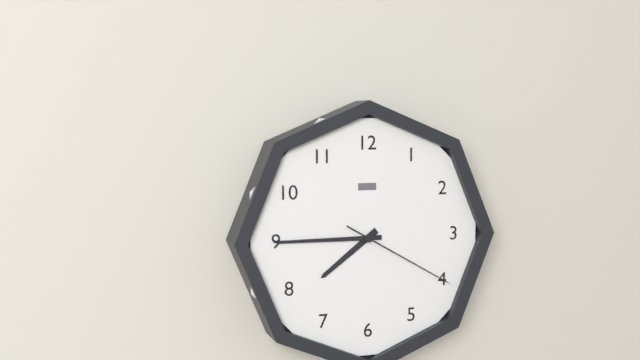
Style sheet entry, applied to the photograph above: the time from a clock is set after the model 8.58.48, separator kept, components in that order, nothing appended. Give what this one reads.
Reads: 7.45.20
